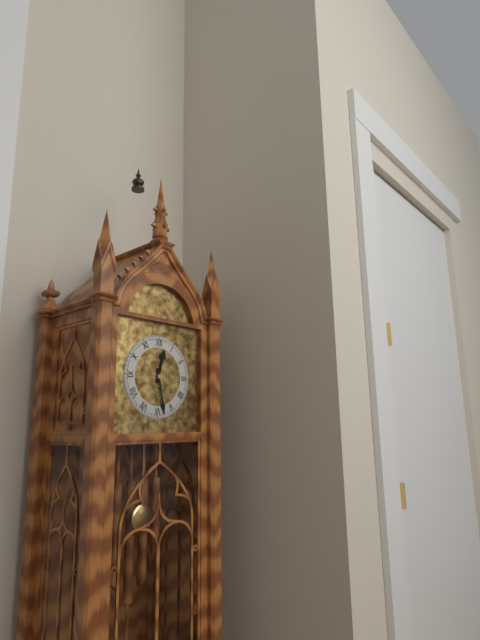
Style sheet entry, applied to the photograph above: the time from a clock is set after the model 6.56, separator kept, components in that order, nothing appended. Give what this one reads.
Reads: 12.28
